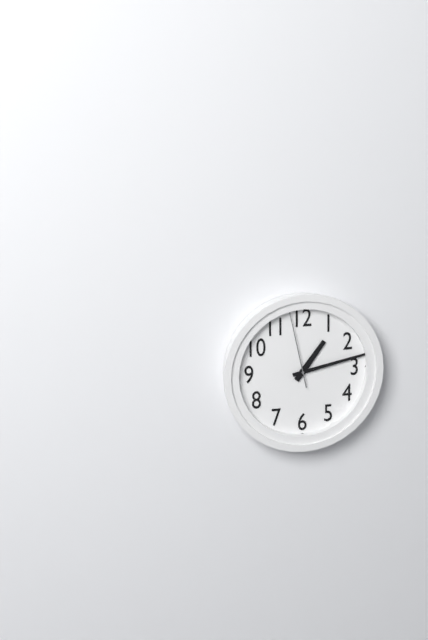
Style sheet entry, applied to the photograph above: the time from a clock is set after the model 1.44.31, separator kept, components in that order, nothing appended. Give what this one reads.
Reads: 1.13.58
